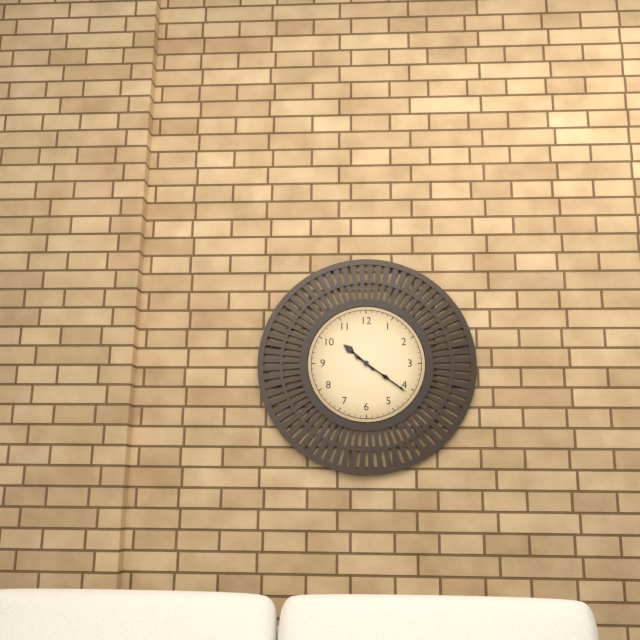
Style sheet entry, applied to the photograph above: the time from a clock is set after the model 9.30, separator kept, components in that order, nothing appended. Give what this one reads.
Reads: 10.21
